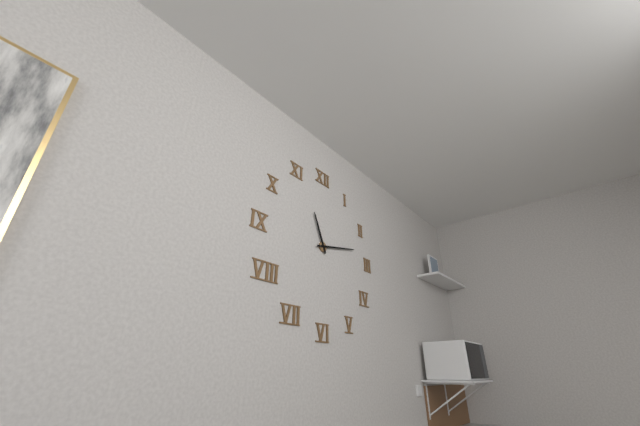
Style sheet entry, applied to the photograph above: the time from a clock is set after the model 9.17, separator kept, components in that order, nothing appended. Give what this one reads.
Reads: 11.13
